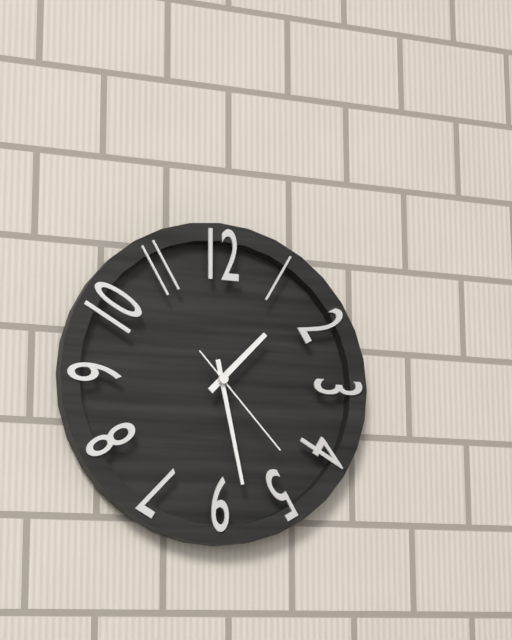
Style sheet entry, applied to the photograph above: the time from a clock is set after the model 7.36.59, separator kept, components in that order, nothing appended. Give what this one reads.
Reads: 1.28.23
